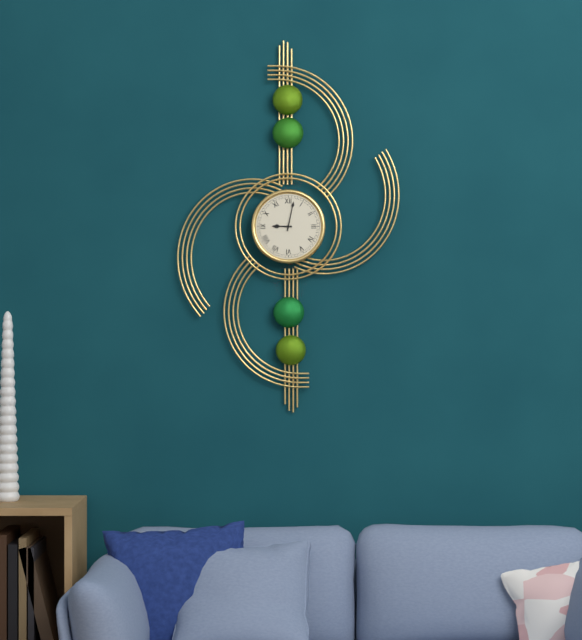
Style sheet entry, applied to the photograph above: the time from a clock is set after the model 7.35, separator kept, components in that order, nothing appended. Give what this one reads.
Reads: 9.02
